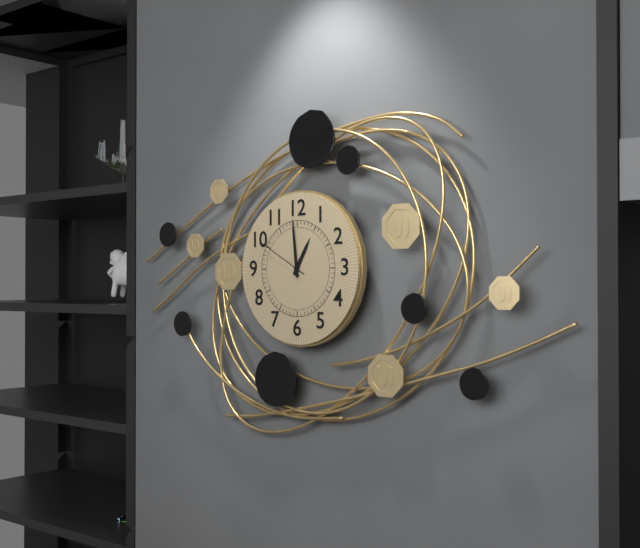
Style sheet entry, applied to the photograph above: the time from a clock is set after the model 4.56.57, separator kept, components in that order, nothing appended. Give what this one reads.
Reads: 12.59.50
